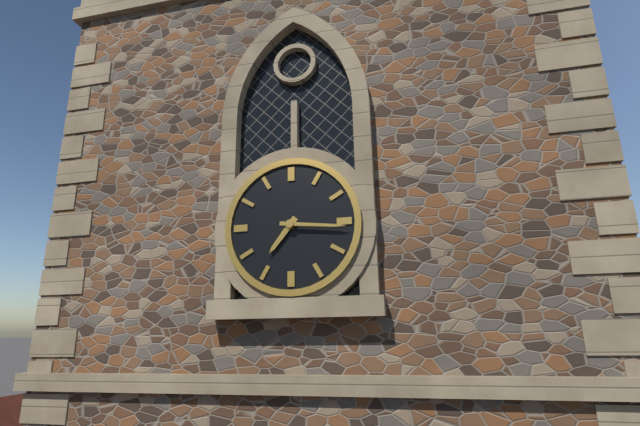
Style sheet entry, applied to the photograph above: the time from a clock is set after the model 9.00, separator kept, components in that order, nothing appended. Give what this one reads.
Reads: 7.16
